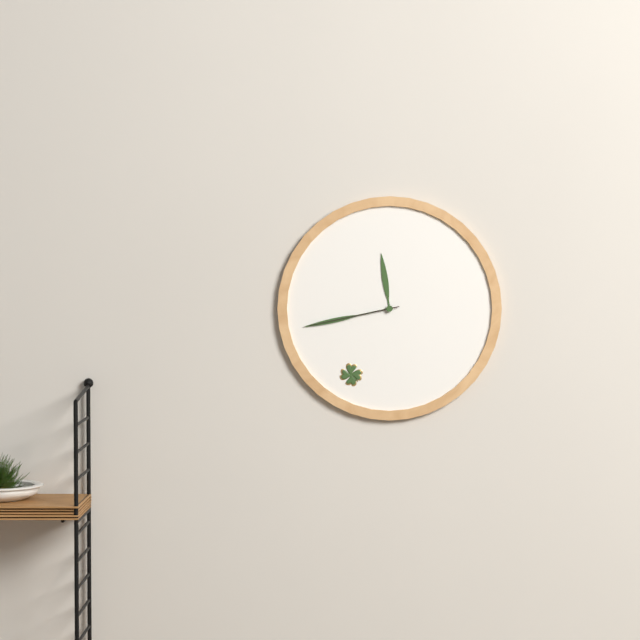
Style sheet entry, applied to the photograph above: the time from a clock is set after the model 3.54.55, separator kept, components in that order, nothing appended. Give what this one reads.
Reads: 11.43.43
